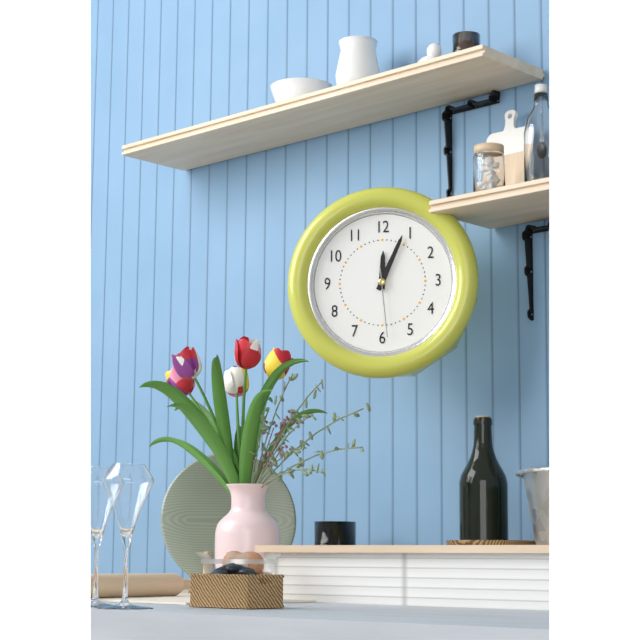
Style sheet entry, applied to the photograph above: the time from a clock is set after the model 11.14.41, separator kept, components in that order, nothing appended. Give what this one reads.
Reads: 12.04.29
